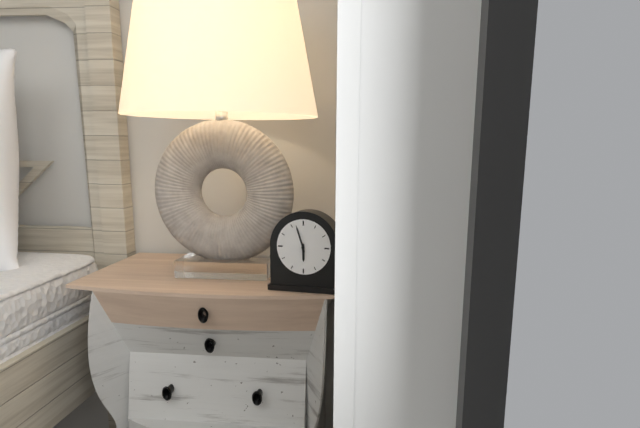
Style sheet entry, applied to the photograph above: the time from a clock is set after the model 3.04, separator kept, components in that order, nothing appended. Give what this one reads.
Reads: 5.57
